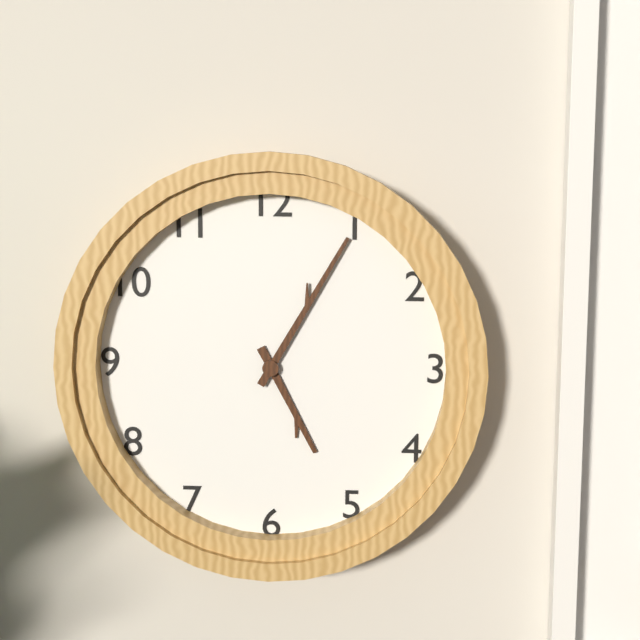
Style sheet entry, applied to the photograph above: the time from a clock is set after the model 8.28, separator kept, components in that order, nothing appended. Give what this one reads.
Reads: 5.05
